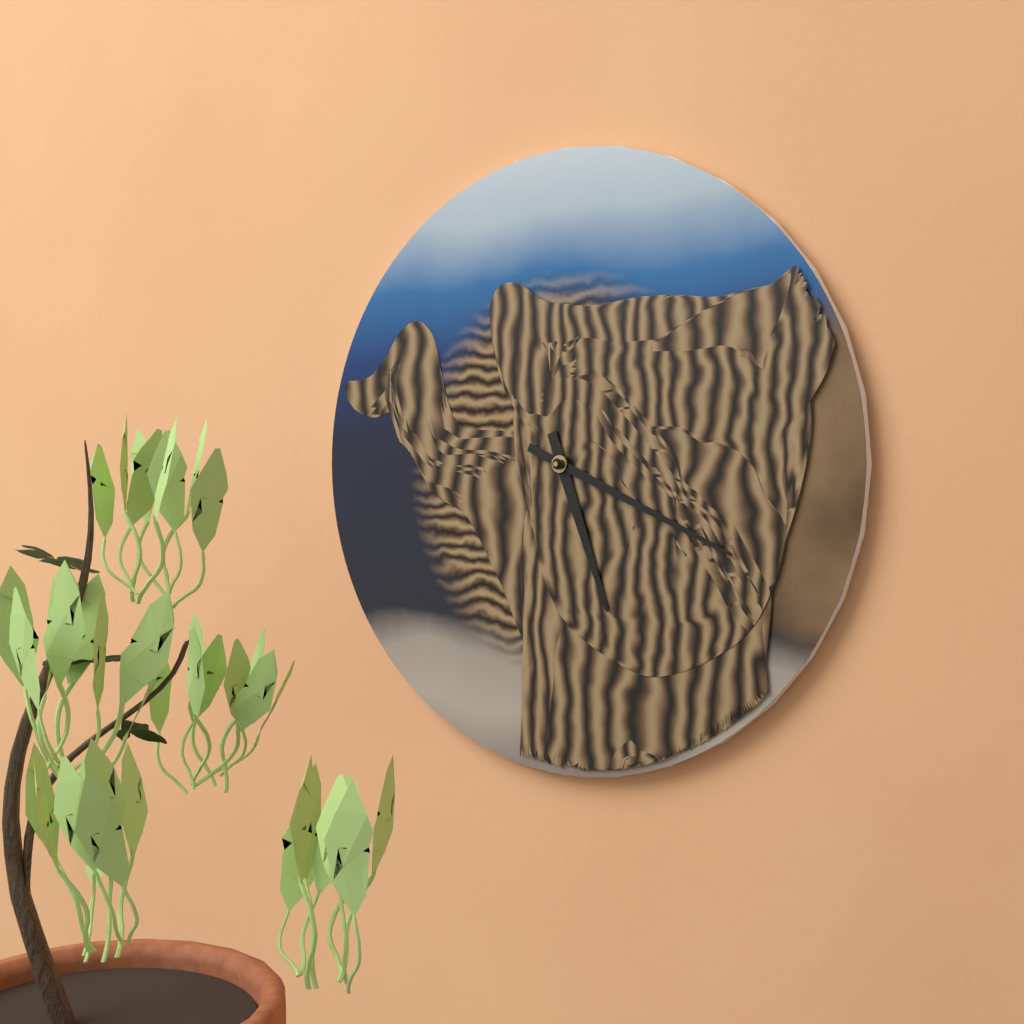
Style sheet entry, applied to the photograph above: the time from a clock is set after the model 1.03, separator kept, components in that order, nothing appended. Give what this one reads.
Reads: 5.19
